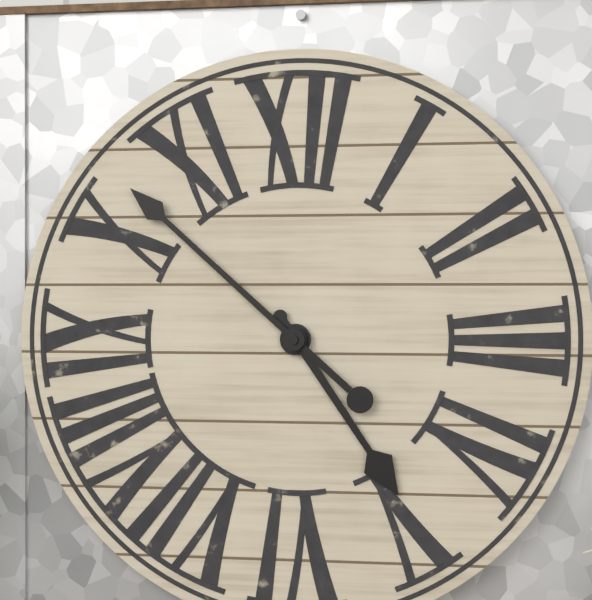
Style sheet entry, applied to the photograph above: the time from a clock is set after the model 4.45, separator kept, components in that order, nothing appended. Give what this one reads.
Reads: 4.52
